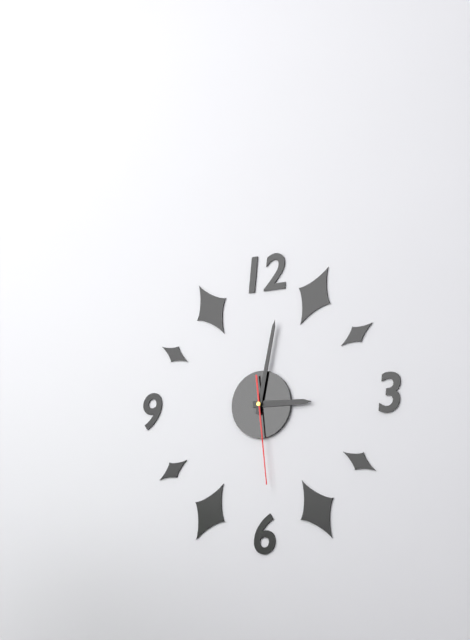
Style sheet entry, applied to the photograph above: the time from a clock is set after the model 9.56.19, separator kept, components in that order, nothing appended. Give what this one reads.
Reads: 3.02.29
